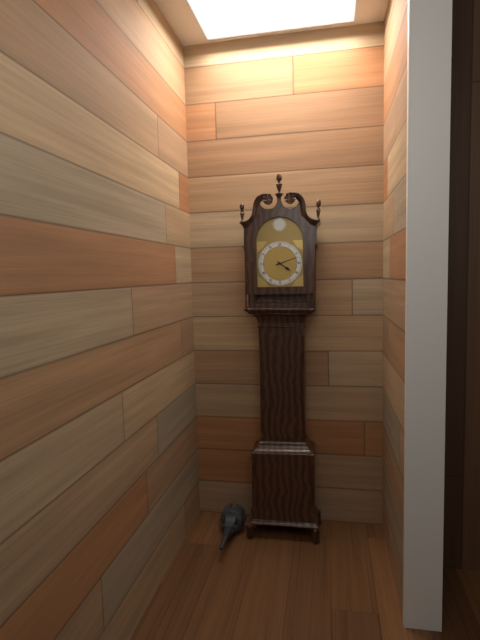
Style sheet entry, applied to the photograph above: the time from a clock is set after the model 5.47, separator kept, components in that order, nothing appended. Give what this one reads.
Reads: 4.12
